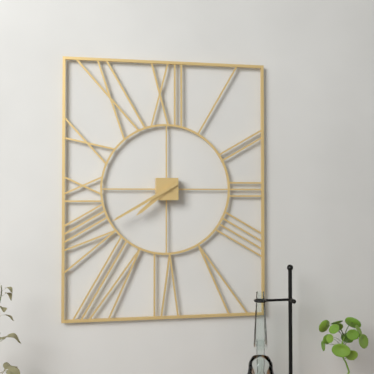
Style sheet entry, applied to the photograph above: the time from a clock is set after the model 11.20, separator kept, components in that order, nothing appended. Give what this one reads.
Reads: 7.40
